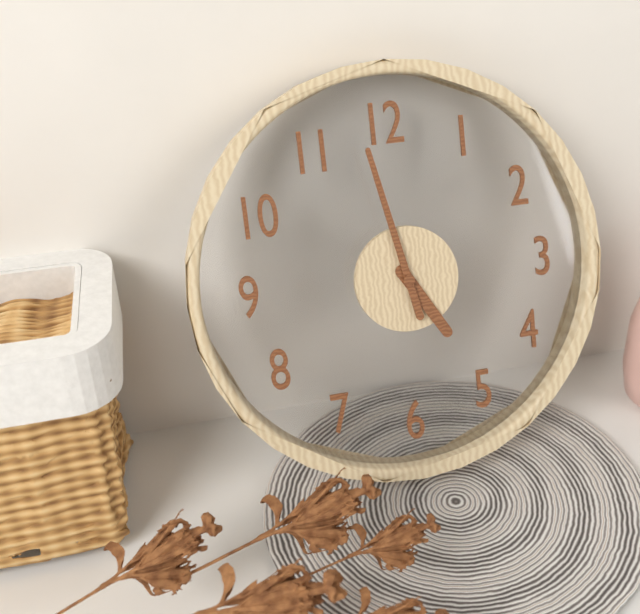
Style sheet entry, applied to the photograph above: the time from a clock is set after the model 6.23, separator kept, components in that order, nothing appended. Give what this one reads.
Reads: 4.58
